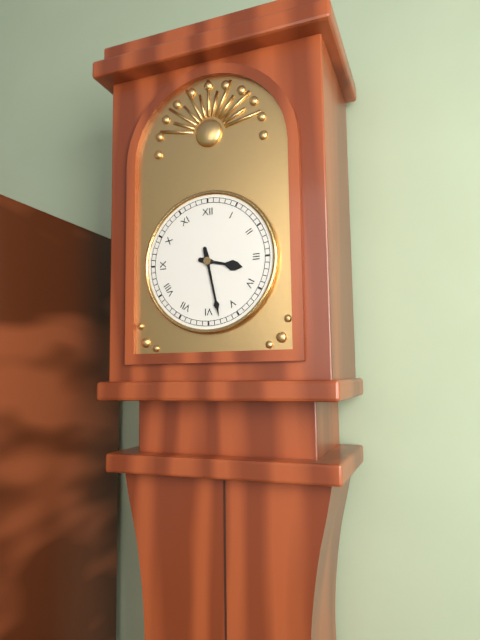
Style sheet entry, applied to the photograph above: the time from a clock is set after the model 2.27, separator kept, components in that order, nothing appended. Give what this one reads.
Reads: 3.28
